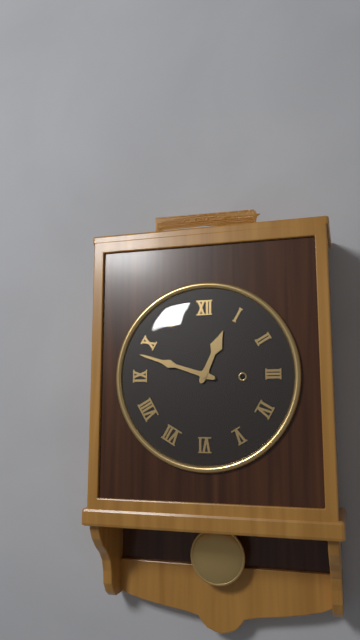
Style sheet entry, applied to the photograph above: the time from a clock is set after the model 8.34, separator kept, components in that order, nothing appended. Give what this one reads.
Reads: 12.48
